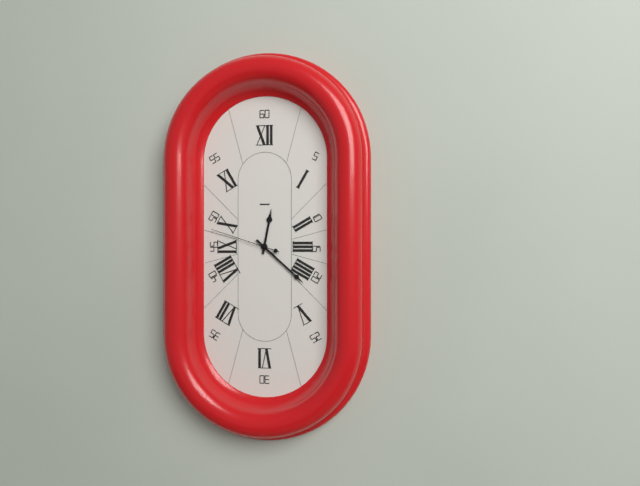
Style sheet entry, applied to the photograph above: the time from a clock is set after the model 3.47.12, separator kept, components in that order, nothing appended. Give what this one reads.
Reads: 12.22.48
